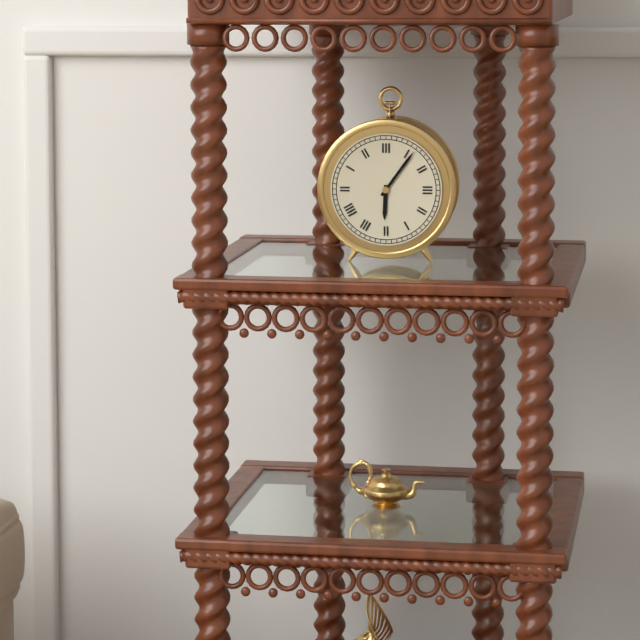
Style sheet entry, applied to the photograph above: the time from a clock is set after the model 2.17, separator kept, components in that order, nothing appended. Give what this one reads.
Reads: 6.06
